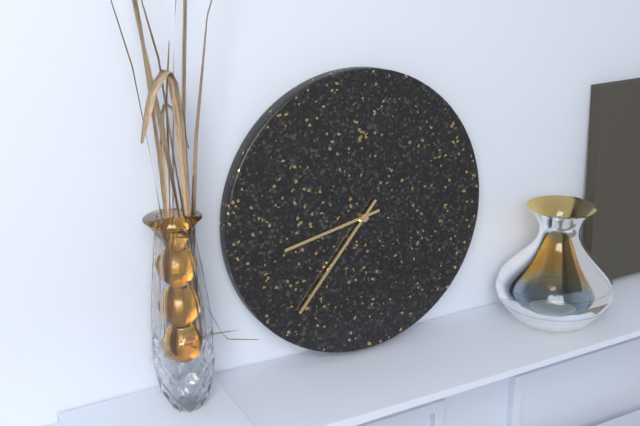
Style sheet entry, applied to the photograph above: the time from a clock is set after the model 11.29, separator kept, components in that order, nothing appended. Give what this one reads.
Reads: 8.37
